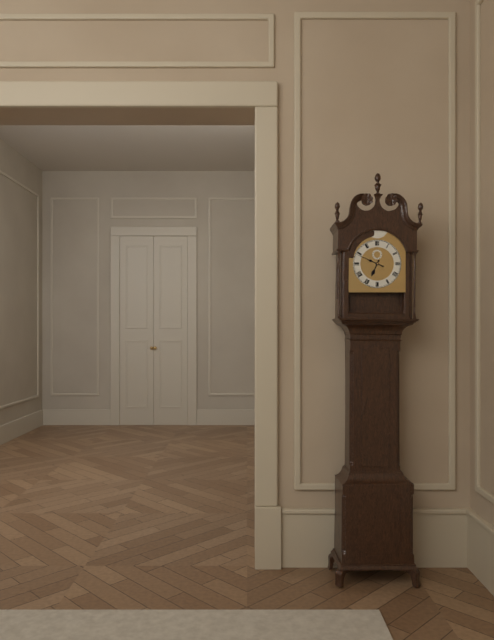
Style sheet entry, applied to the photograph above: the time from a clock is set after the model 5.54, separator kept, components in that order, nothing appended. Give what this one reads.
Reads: 6.49
